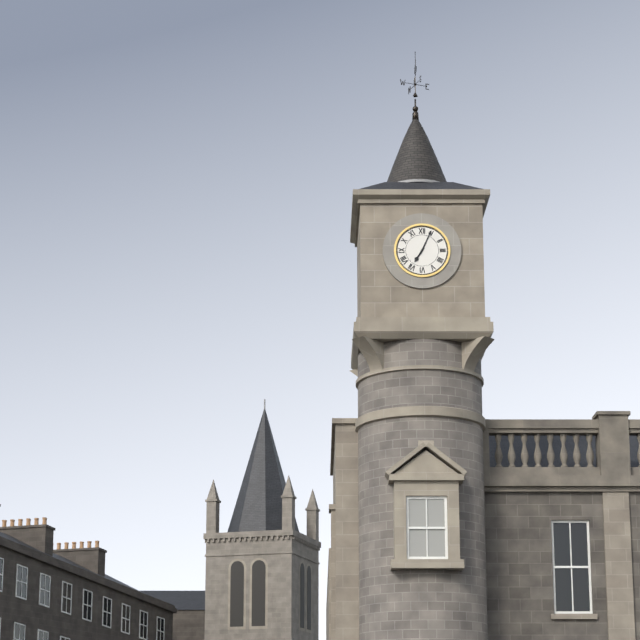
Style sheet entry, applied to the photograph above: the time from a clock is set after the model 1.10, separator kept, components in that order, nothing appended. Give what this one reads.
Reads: 7.04
